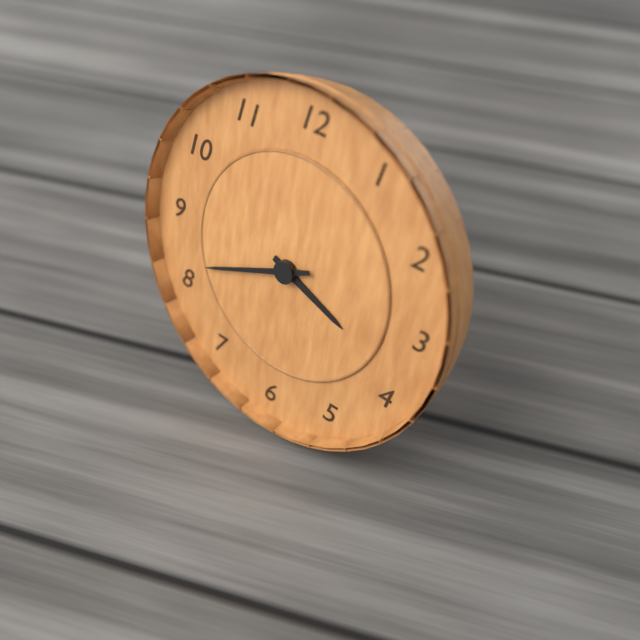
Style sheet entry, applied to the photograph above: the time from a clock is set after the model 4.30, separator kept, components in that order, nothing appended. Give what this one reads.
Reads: 3.41
